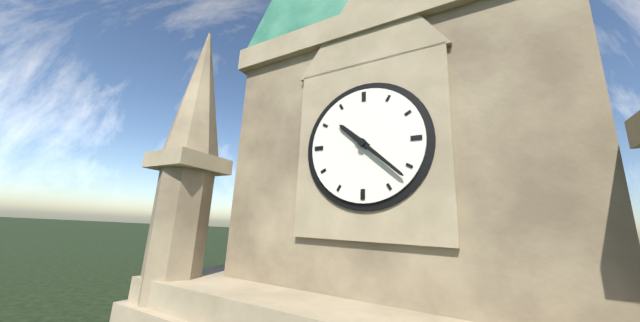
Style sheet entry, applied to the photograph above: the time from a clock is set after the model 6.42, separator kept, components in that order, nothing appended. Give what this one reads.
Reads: 10.22
